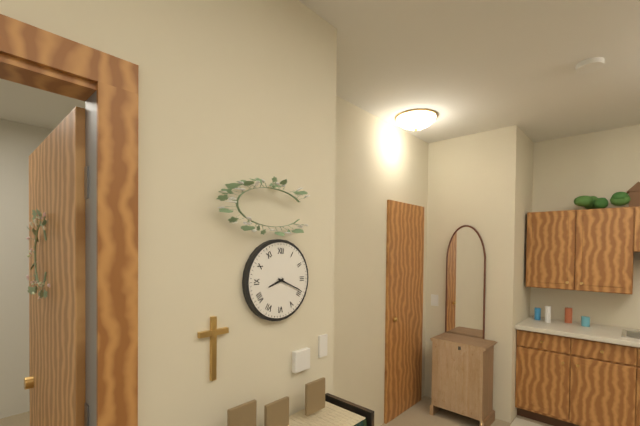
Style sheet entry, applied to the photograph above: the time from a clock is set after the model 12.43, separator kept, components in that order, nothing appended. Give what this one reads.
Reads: 8.19
